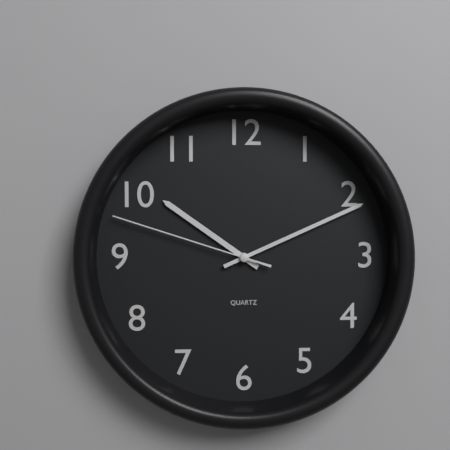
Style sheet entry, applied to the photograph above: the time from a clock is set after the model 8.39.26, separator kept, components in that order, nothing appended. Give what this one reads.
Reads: 10.11.48
